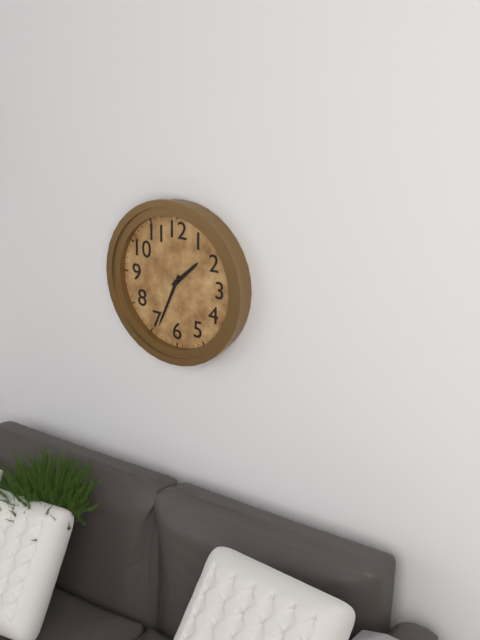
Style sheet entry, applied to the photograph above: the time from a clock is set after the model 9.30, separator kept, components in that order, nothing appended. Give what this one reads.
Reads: 1.34
